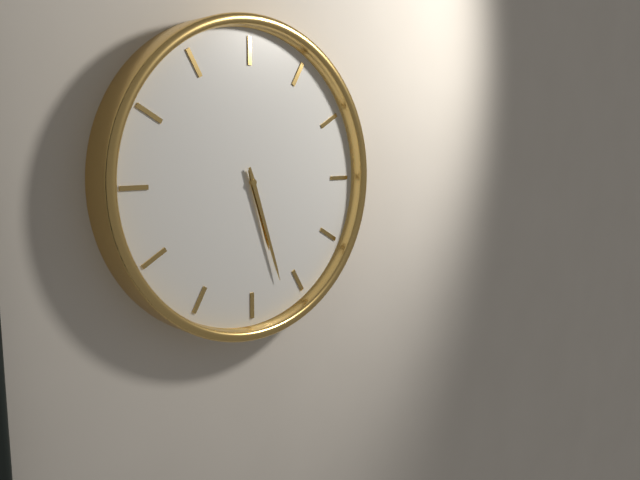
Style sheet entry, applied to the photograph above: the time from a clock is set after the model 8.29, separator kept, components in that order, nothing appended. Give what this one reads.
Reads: 5.27
